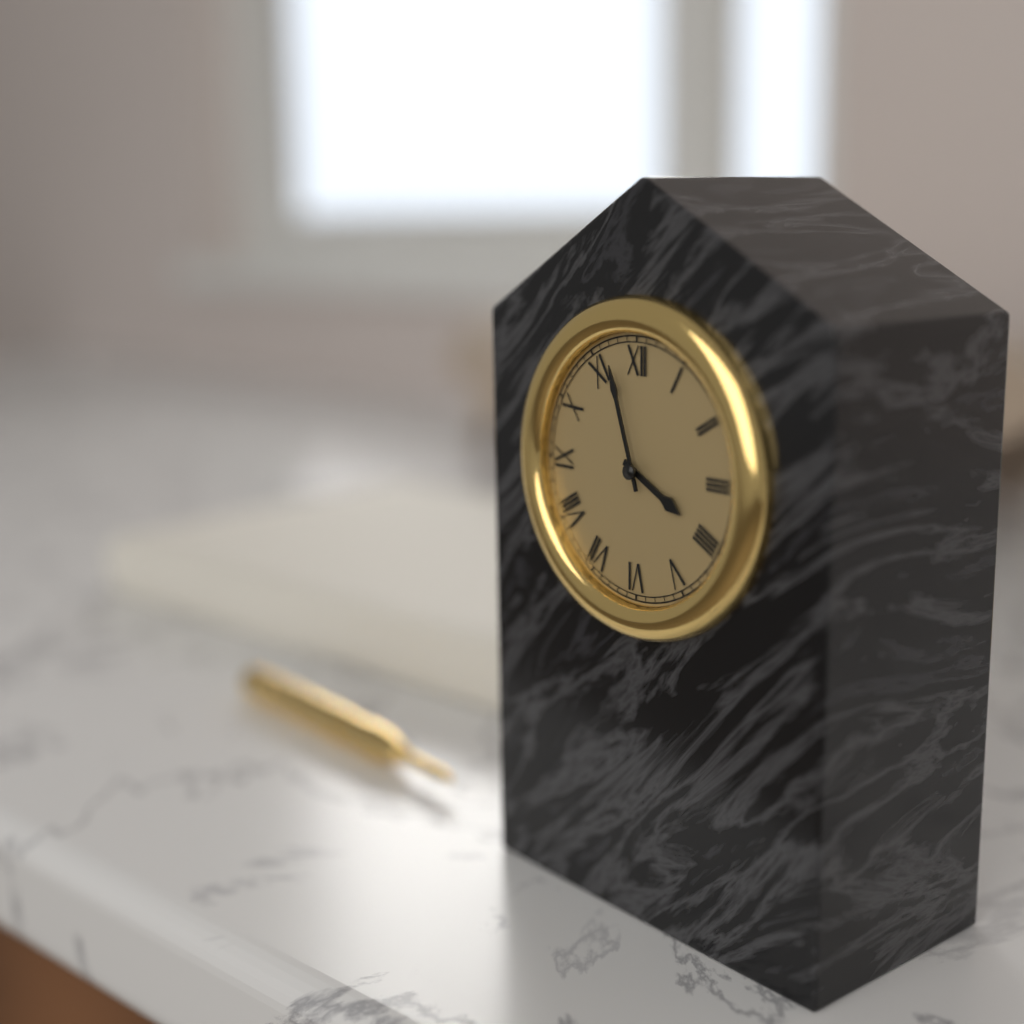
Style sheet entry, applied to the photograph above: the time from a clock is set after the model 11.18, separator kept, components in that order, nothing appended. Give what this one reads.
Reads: 3.57
